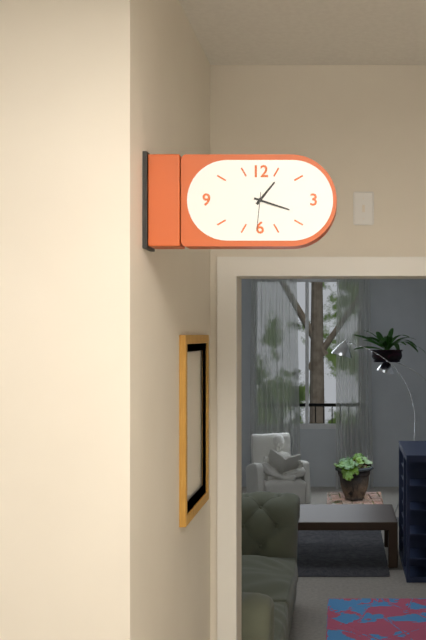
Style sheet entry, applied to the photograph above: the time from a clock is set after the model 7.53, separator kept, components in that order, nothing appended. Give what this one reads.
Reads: 1.18
